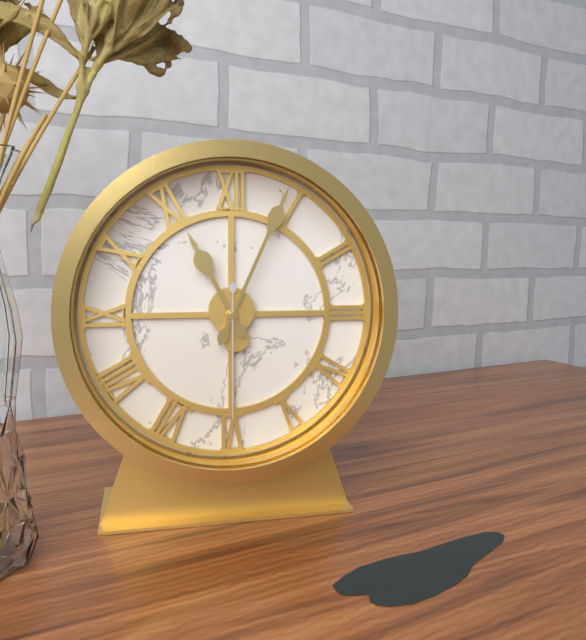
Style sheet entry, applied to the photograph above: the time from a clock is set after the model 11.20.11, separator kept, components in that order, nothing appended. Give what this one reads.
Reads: 11.04.30
